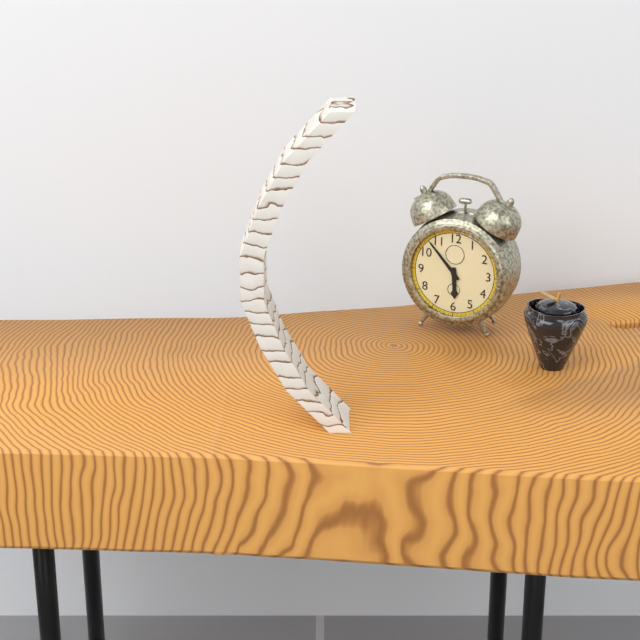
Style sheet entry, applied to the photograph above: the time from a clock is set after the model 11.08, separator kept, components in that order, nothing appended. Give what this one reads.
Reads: 5.53
